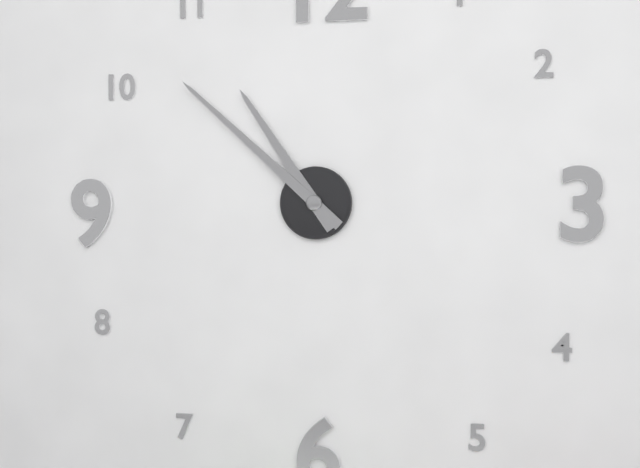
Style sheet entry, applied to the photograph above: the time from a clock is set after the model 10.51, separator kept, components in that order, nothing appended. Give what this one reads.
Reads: 10.52
